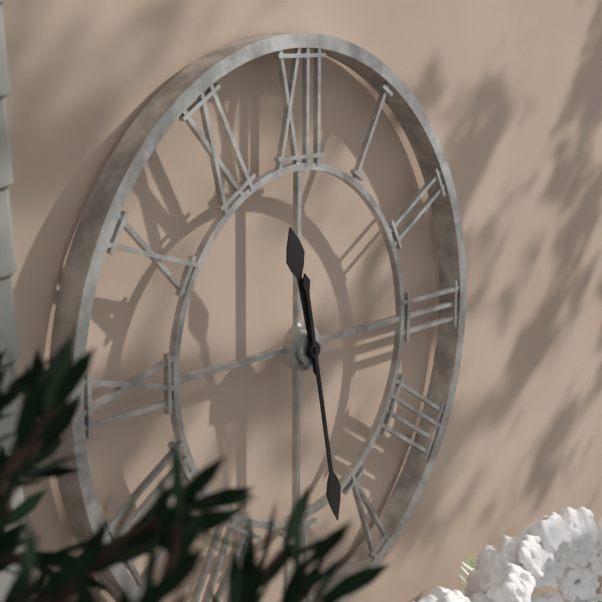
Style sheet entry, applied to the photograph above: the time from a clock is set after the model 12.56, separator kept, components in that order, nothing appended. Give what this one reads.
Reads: 11.28
